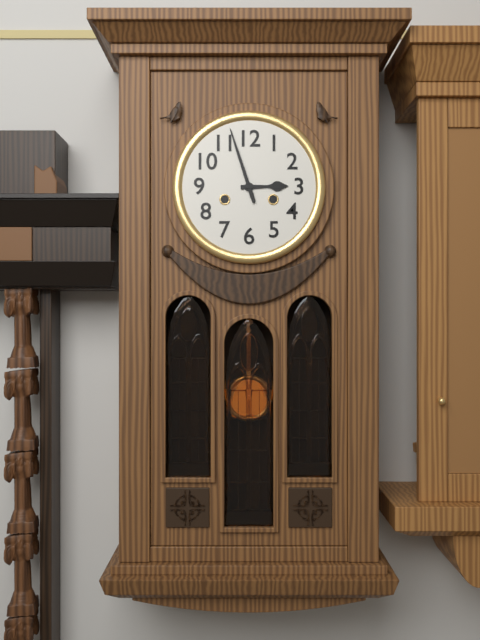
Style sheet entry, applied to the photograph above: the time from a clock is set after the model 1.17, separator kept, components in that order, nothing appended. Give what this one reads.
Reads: 2.57
